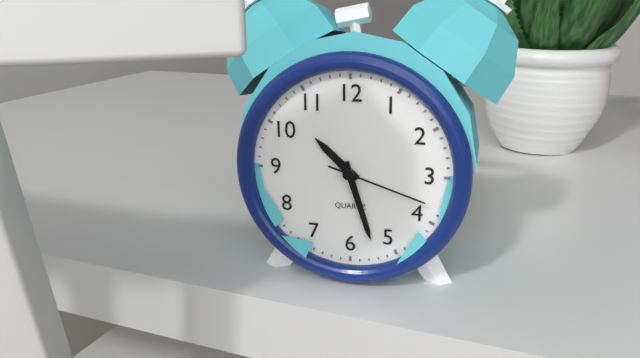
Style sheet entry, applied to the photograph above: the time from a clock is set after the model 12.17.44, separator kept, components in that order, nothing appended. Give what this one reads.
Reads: 10.27.18
